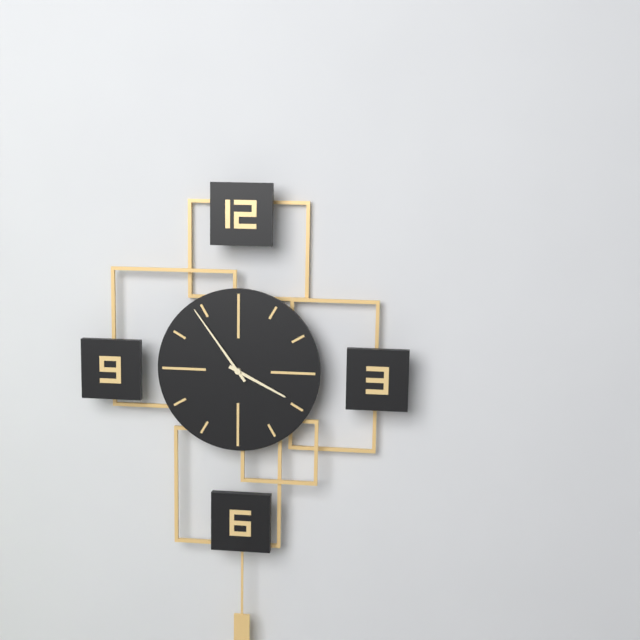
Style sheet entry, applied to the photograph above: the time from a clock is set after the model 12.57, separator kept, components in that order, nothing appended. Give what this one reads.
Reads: 3.54
